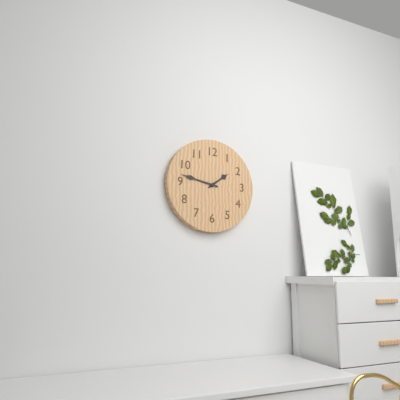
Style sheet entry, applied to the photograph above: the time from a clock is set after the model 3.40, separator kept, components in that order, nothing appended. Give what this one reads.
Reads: 1.47
